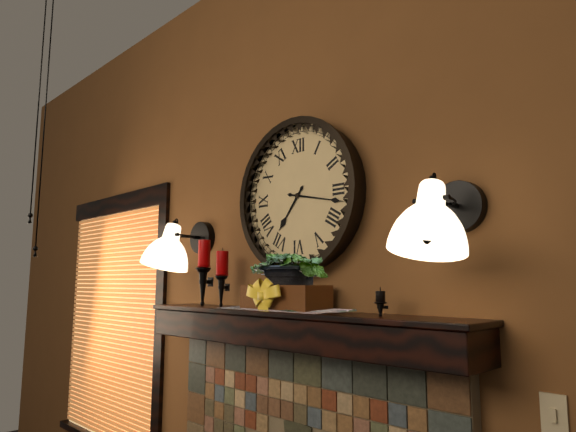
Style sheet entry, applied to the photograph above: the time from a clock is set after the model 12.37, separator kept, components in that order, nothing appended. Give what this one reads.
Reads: 7.17
